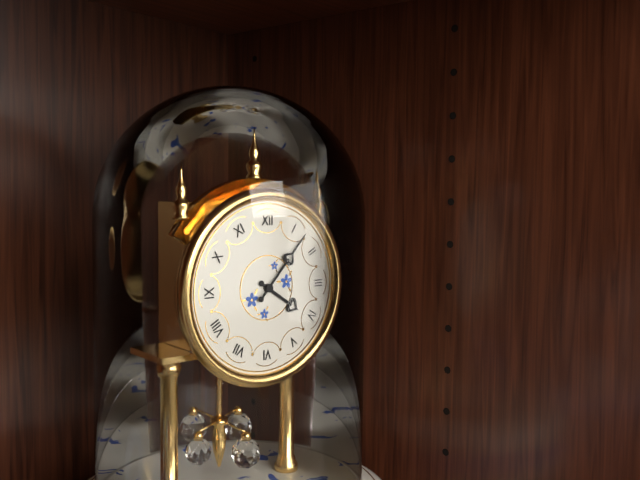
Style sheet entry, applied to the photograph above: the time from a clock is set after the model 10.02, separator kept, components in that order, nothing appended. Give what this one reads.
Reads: 4.07
